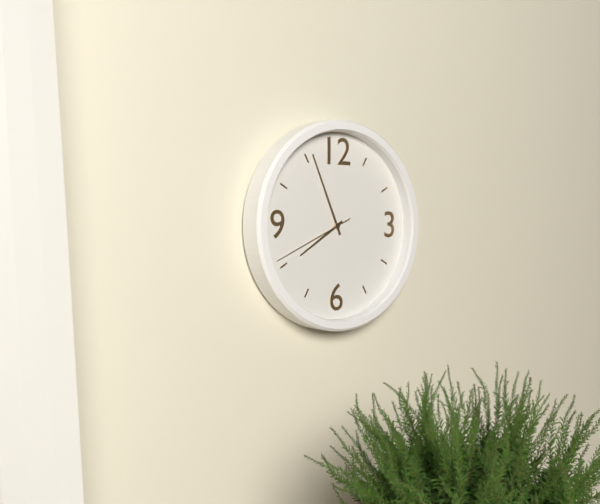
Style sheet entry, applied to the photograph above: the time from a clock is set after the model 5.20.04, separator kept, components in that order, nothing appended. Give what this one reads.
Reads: 7.56.41
